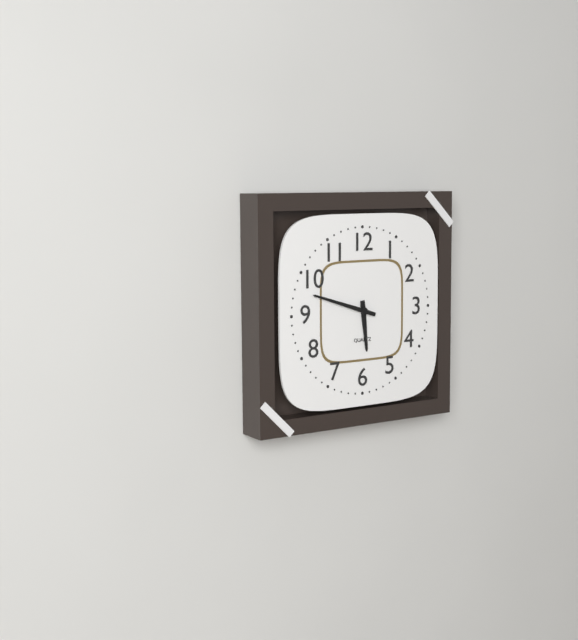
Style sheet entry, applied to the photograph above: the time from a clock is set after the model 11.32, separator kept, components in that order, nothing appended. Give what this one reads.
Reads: 5.48
